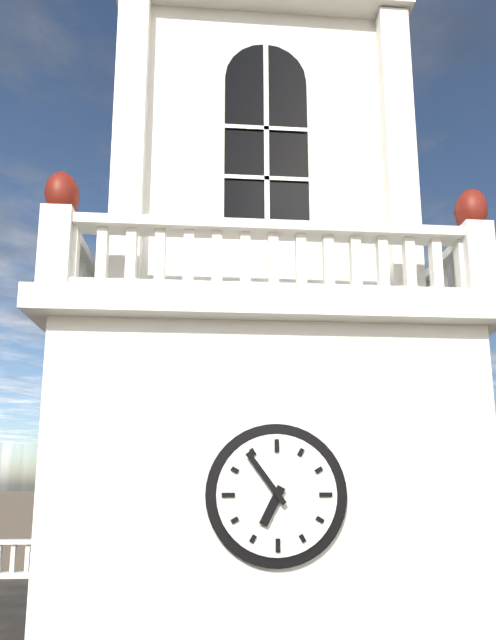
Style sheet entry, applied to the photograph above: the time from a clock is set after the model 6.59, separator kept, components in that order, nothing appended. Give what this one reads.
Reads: 6.54
